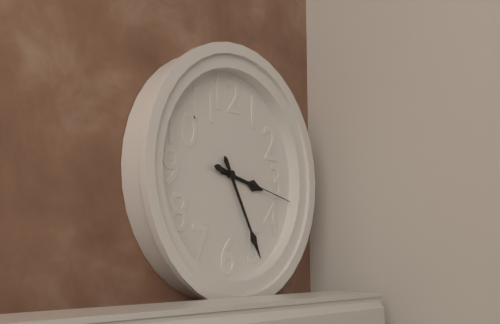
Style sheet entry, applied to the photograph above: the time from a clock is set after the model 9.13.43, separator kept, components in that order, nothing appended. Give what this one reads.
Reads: 3.25.17
